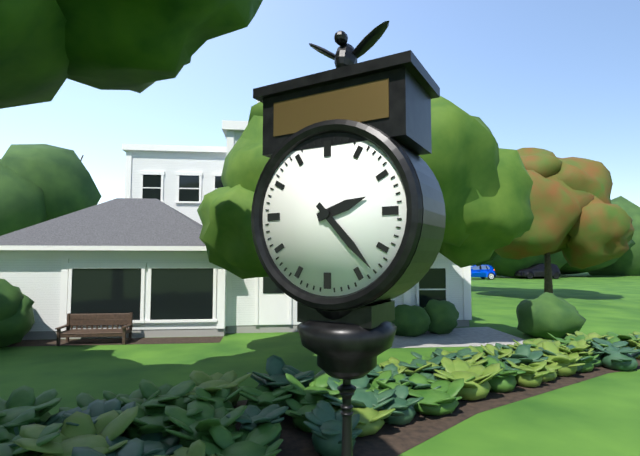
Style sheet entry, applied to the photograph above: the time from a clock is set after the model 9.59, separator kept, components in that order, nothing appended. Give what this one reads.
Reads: 2.23
